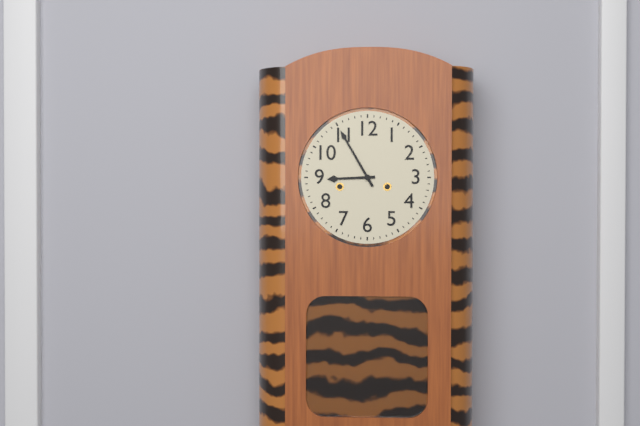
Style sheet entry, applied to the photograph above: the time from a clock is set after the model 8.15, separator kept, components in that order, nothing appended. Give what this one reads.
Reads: 8.55
